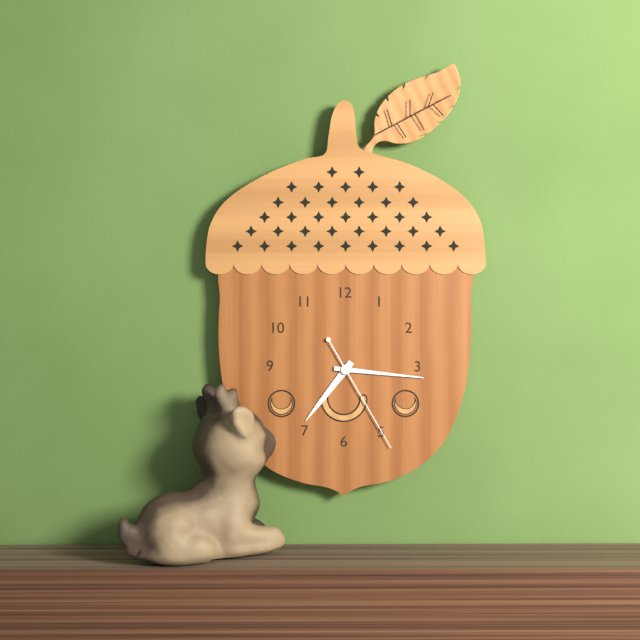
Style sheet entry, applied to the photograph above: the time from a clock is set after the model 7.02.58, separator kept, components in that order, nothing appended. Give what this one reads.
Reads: 7.16.25
